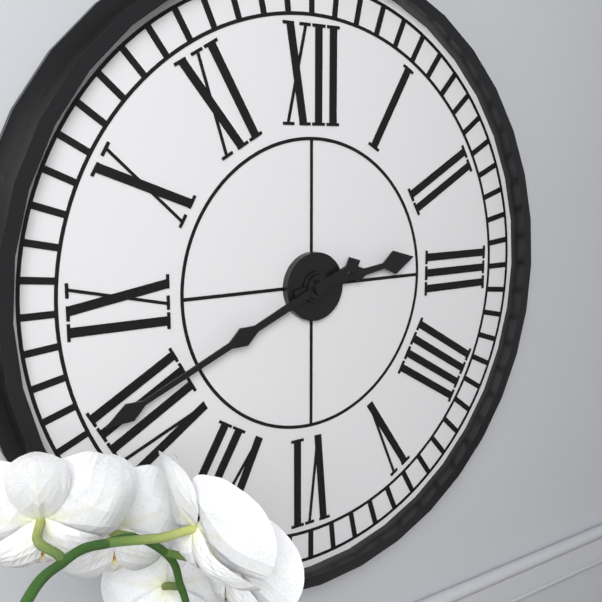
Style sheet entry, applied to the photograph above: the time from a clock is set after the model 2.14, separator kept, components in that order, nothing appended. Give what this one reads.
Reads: 2.41
